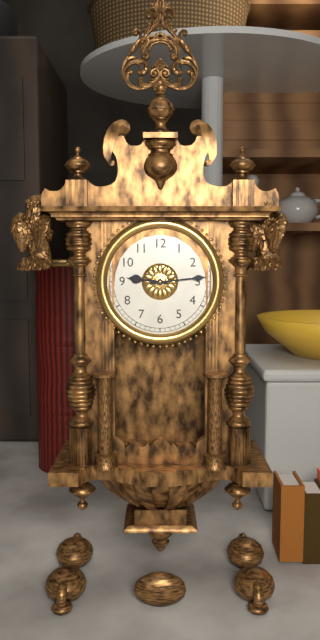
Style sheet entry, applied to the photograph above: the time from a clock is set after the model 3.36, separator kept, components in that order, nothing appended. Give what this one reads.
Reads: 9.14
